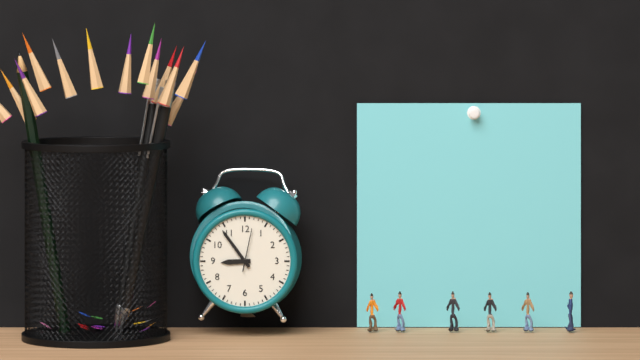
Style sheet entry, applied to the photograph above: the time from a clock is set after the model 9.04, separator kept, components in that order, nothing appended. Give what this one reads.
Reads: 8.54
